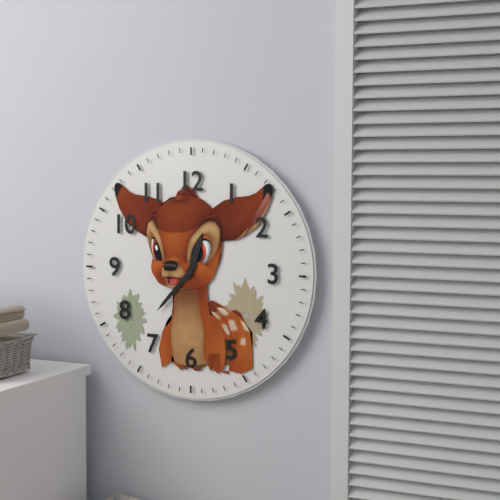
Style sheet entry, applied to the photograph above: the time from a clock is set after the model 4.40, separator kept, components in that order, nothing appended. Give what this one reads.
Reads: 12.37
